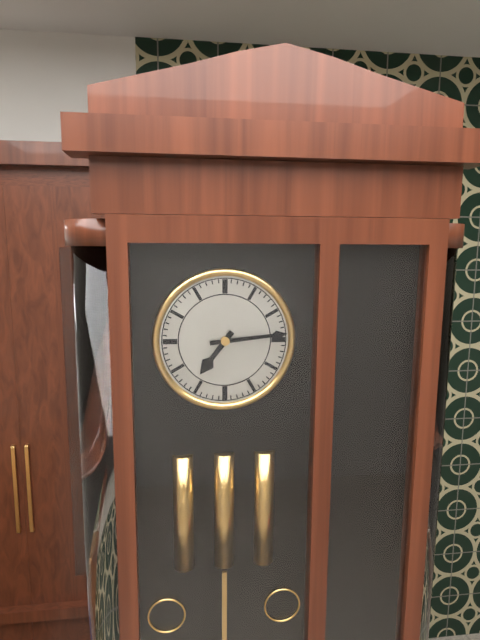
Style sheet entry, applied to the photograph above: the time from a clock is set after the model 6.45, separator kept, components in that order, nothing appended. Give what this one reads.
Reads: 7.14
